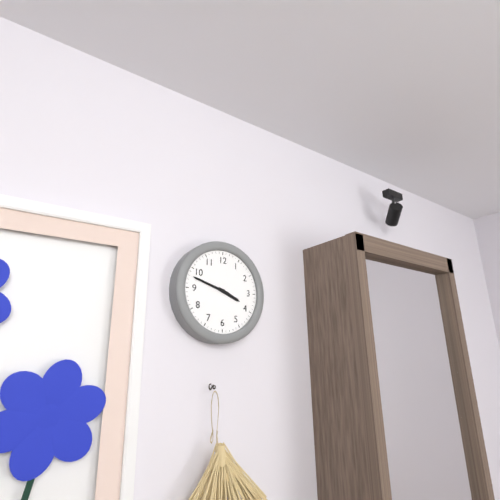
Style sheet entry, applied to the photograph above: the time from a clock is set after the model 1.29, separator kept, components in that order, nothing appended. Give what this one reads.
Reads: 3.48
